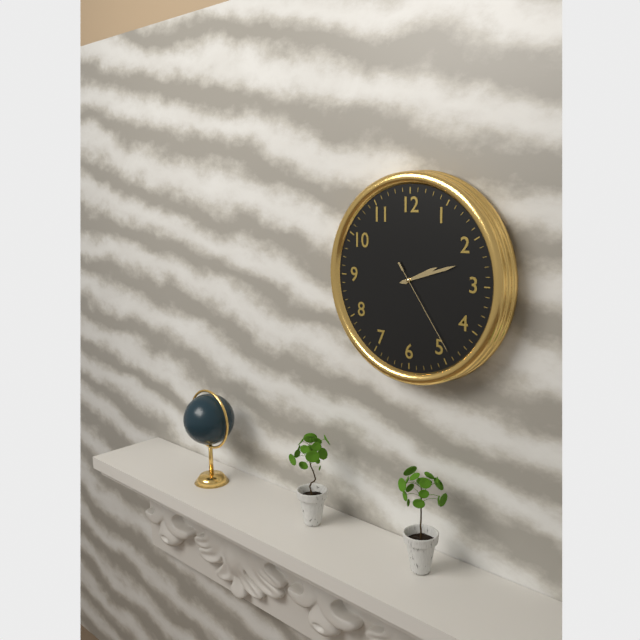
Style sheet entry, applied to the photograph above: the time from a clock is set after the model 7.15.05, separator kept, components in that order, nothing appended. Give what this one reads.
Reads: 2.12.24
